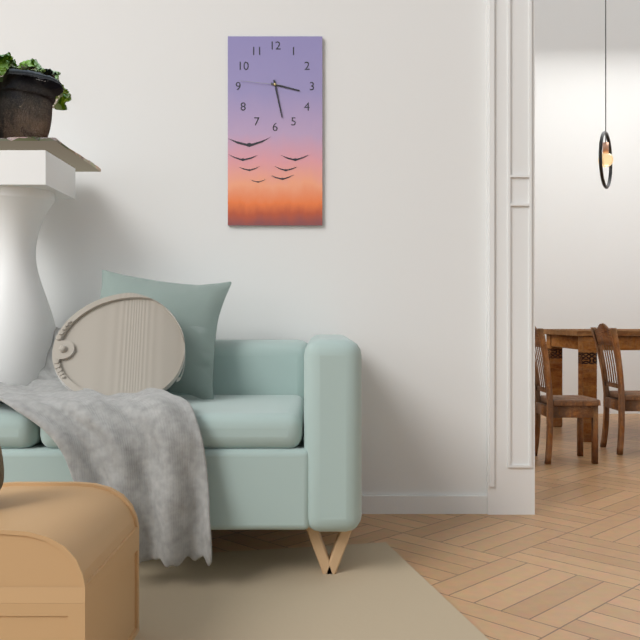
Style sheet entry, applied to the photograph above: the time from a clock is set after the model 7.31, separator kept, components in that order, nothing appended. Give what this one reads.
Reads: 3.28
